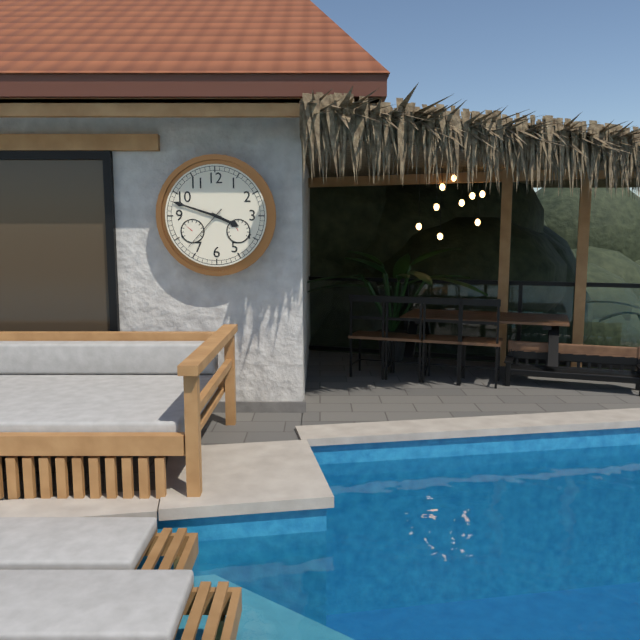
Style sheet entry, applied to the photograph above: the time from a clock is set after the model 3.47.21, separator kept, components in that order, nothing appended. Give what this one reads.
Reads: 3.48.37
